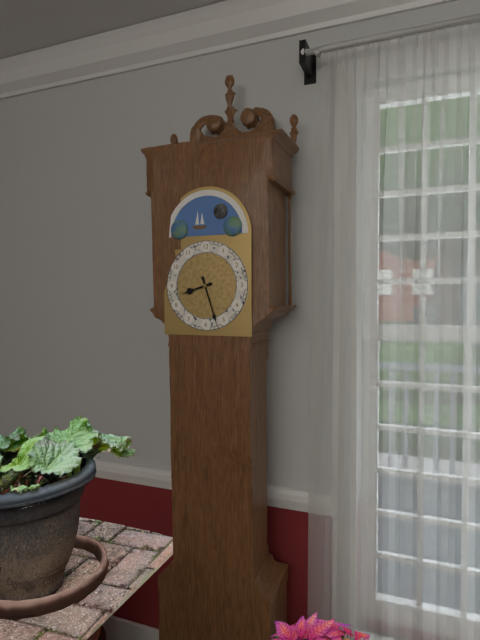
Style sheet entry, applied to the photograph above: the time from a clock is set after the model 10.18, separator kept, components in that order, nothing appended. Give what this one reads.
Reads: 8.27
